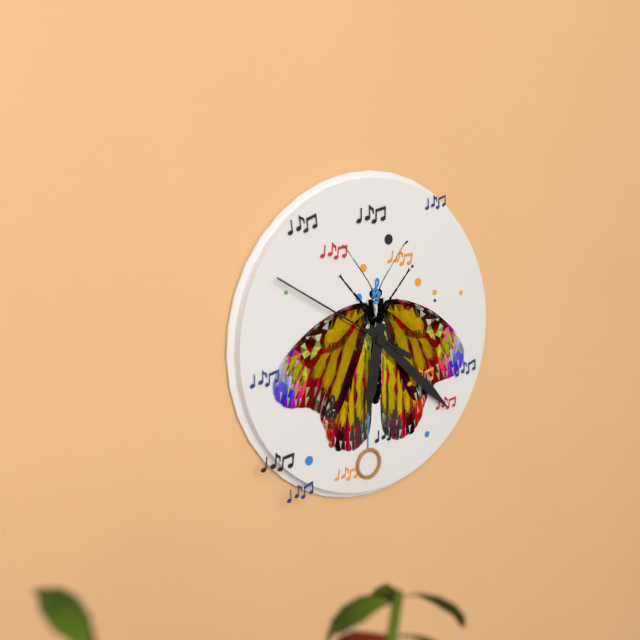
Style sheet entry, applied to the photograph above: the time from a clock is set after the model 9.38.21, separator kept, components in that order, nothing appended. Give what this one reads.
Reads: 6.22.50
